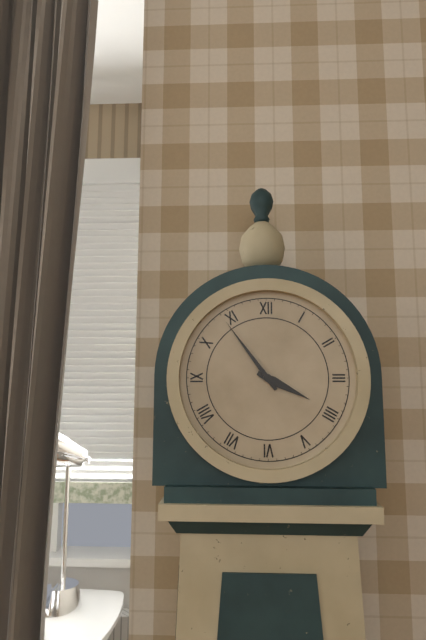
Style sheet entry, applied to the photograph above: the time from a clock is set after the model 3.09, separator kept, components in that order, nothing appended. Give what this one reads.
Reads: 3.54
